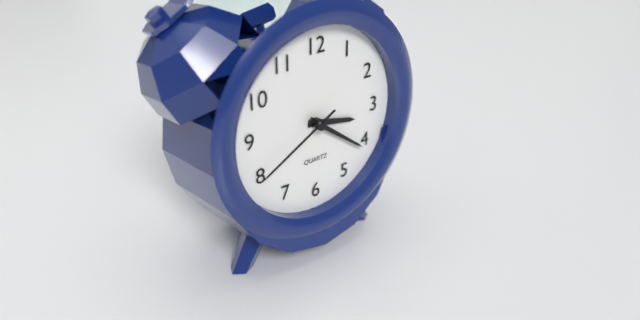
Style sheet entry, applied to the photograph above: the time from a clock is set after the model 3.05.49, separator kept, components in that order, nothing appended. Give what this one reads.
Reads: 3.21.40
